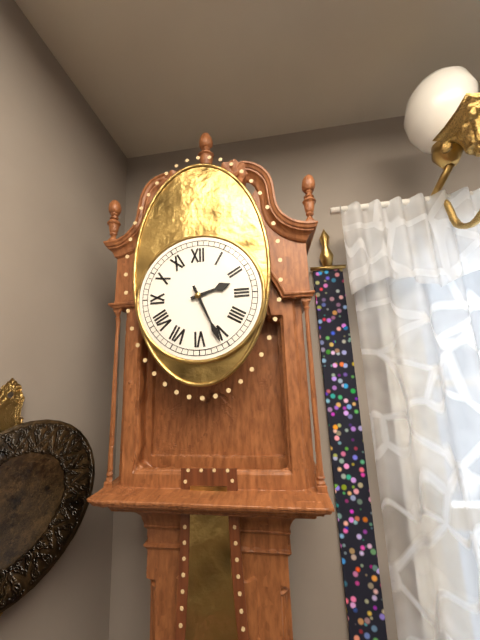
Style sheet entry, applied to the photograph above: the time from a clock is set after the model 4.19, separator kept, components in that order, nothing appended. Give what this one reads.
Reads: 2.26
